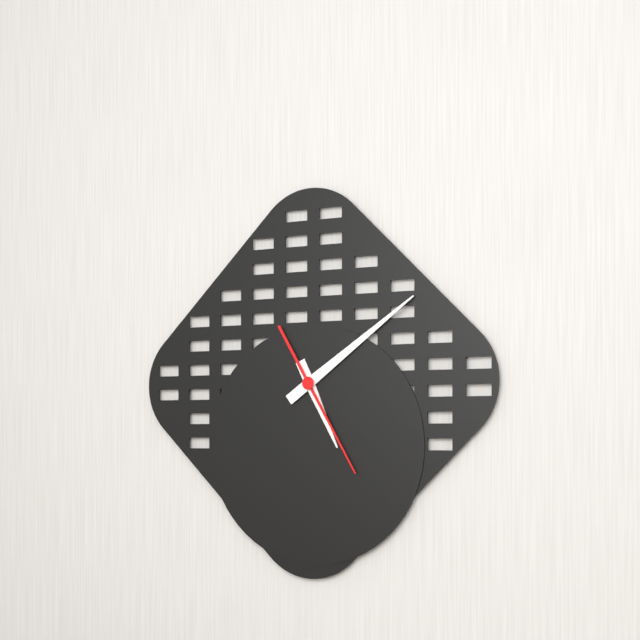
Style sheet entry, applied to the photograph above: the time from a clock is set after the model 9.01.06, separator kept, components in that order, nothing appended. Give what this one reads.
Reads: 5.09.25
